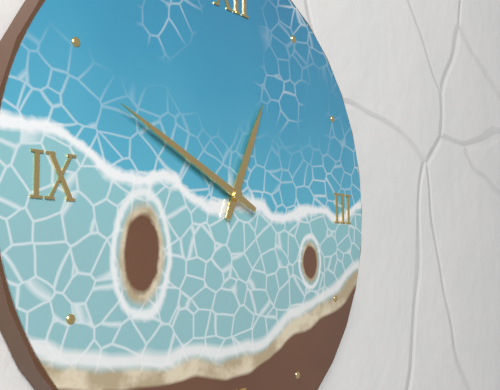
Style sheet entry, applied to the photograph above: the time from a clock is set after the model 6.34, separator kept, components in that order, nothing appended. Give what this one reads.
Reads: 12.49
